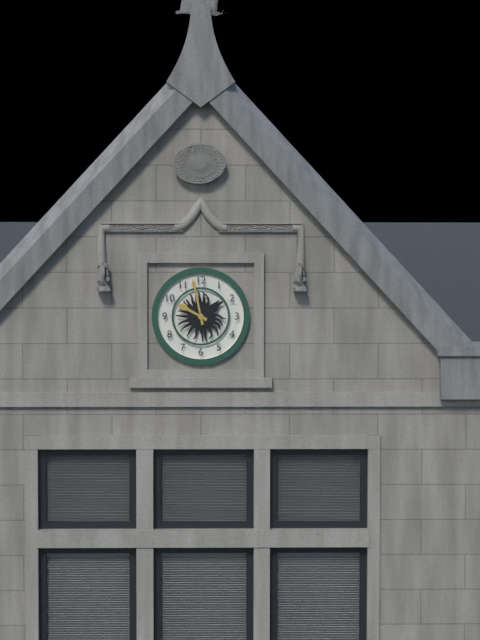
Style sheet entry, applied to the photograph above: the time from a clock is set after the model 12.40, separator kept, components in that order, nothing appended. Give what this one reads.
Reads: 9.58
